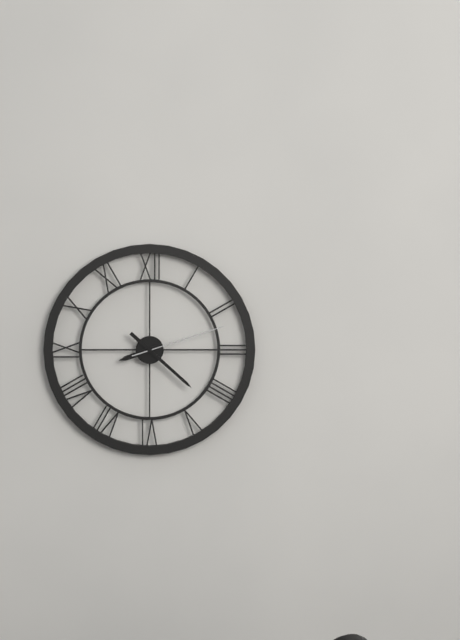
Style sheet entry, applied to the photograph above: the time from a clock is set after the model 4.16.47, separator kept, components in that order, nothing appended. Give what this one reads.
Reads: 8.22.12
